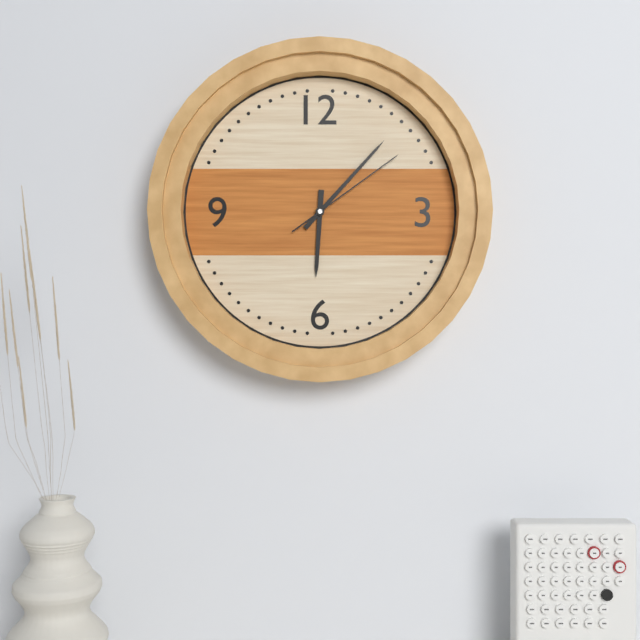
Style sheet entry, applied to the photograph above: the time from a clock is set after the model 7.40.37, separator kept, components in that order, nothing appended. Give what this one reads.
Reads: 6.07.09
